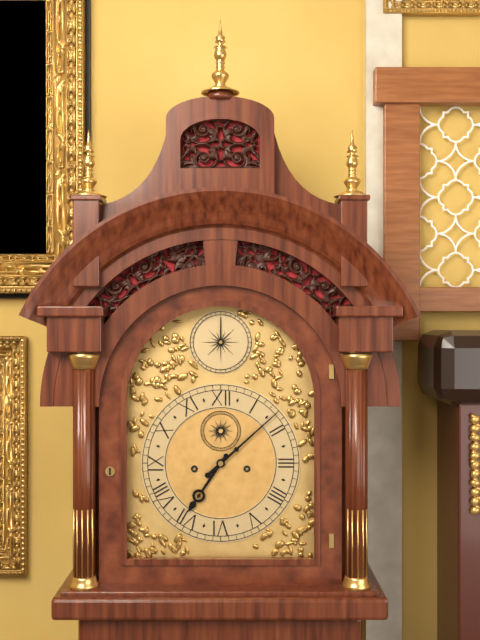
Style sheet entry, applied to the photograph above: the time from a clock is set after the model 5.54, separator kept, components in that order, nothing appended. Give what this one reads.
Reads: 7.08
